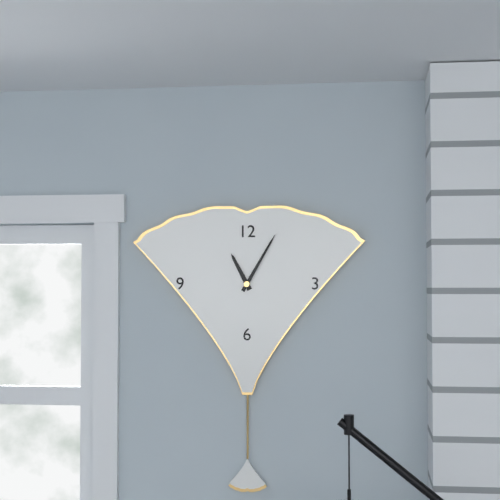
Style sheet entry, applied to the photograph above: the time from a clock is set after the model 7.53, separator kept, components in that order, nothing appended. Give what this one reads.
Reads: 11.05
